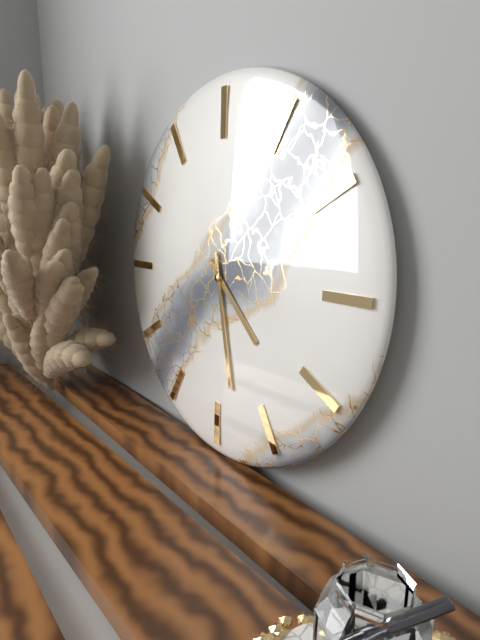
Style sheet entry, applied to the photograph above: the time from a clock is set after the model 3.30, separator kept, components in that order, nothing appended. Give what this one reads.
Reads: 4.28
